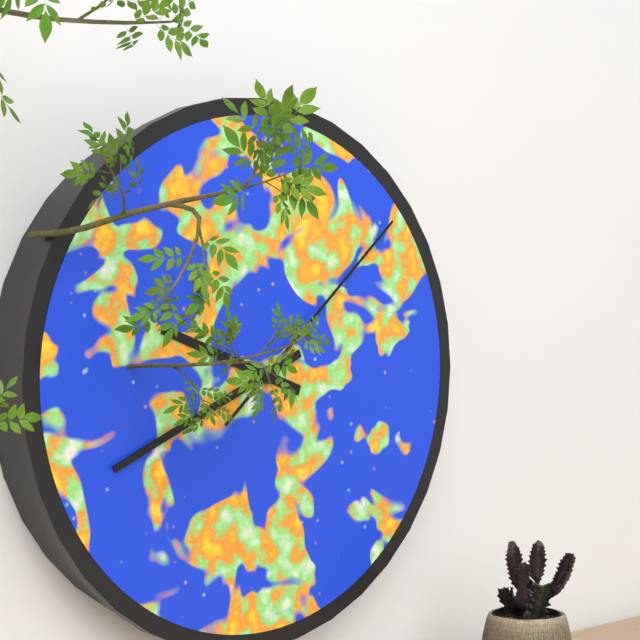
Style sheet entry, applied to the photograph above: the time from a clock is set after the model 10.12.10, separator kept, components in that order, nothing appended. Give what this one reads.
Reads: 9.41.08
